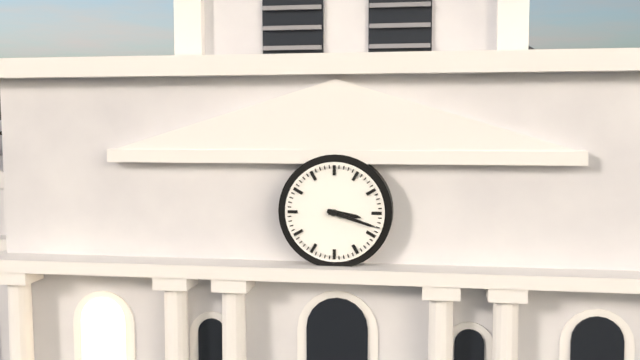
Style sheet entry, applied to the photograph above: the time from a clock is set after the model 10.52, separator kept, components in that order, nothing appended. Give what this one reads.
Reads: 3.18
